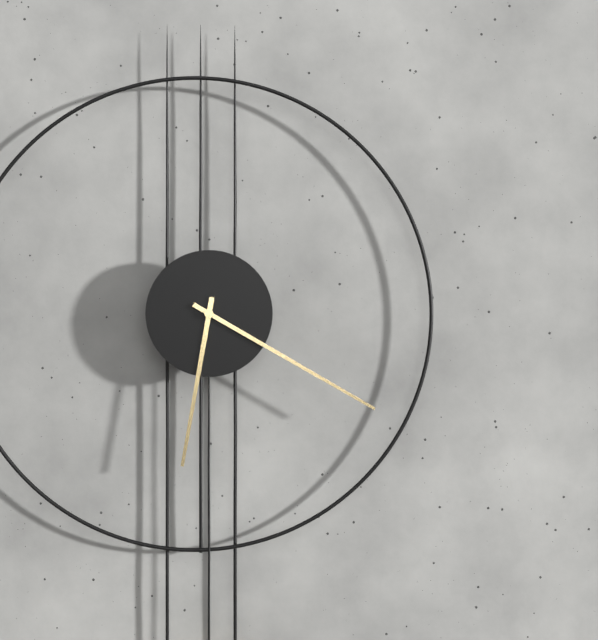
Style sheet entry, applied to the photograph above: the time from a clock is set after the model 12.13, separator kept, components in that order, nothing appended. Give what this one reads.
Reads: 6.20
